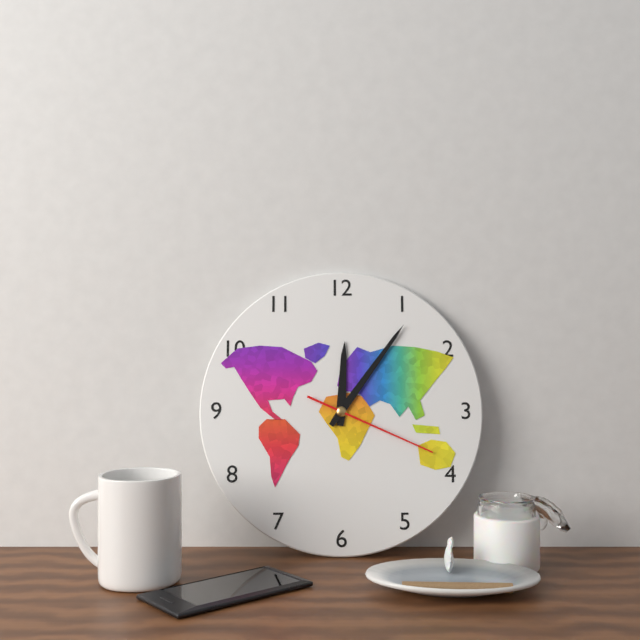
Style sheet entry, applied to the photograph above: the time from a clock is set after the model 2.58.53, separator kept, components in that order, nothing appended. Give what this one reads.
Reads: 12.06.19
